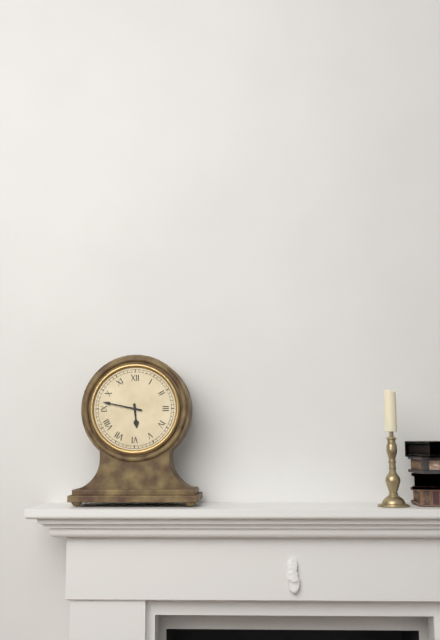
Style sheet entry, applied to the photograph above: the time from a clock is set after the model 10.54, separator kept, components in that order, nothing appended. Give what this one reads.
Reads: 5.47
